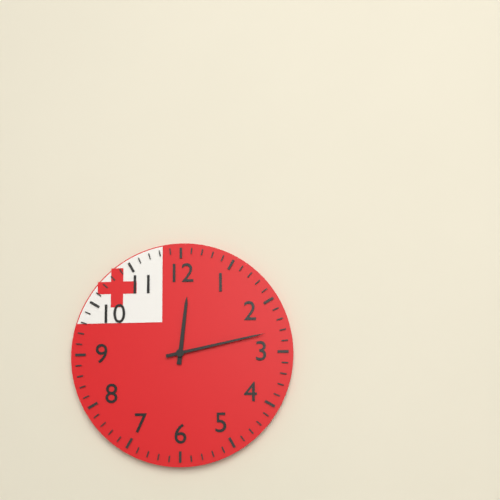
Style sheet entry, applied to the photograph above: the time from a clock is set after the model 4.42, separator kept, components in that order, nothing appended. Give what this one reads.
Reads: 12.13
